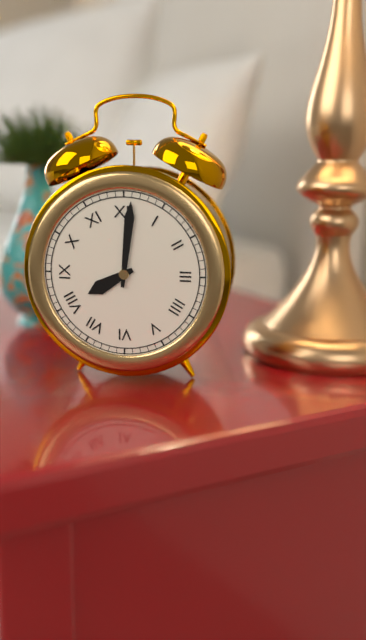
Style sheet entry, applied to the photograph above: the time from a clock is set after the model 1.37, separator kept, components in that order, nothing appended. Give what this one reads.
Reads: 8.01
